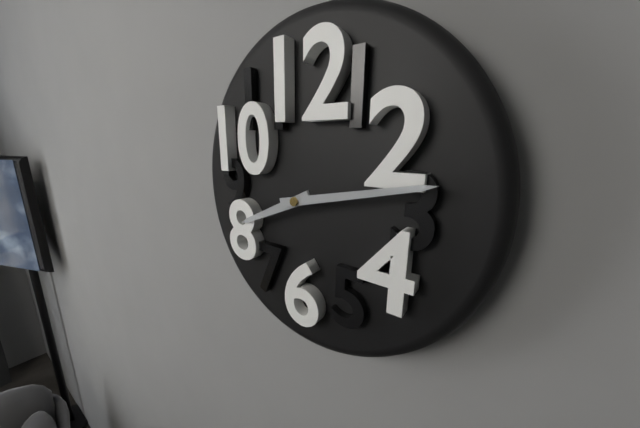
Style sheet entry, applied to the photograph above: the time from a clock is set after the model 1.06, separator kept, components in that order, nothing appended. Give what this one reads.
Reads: 8.13
